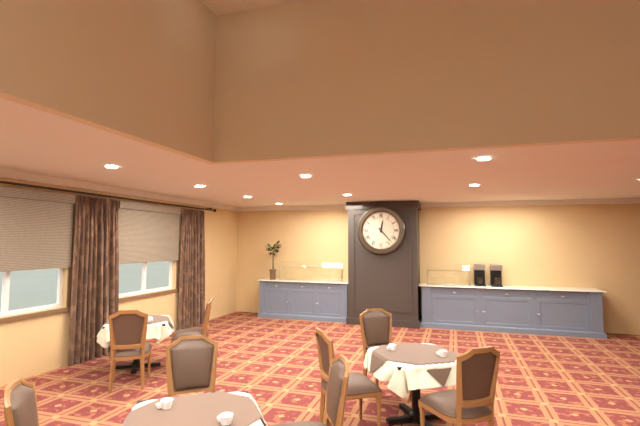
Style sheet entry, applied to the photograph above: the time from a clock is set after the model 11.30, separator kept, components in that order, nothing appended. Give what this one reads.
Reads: 12.23
